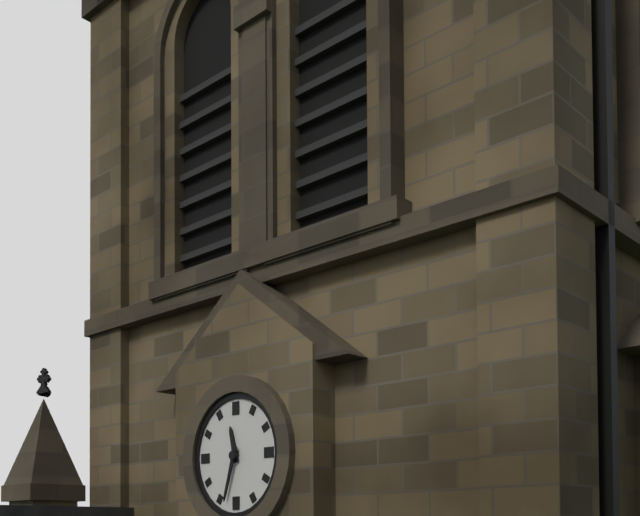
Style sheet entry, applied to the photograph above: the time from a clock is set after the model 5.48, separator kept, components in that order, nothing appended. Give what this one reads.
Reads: 11.33
